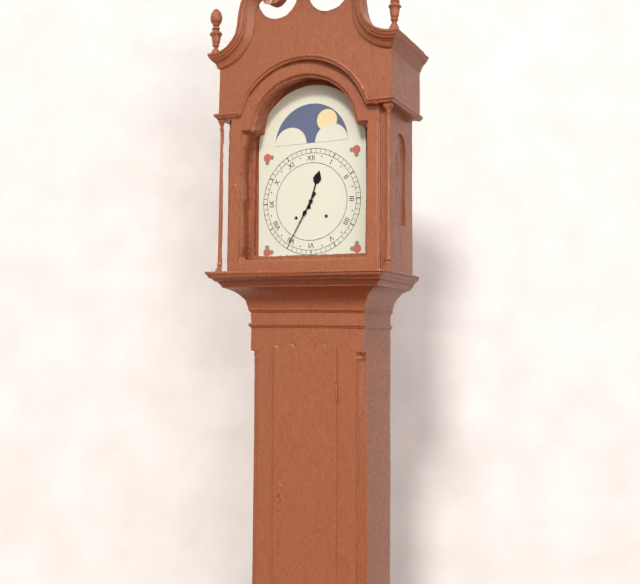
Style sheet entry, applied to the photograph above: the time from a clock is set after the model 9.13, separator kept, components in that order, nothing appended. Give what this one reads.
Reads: 12.35
